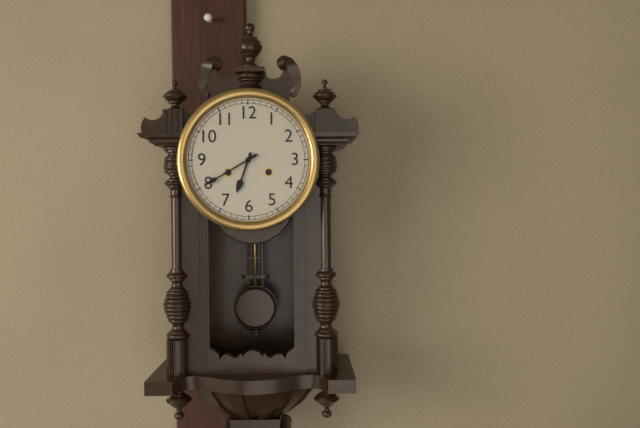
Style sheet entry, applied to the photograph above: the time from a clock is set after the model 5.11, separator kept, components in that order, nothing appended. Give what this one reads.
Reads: 6.40
